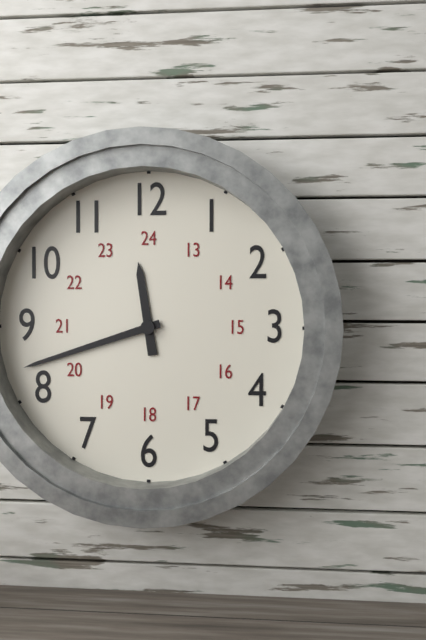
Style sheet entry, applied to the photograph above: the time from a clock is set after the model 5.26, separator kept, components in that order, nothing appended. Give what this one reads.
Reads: 11.42
